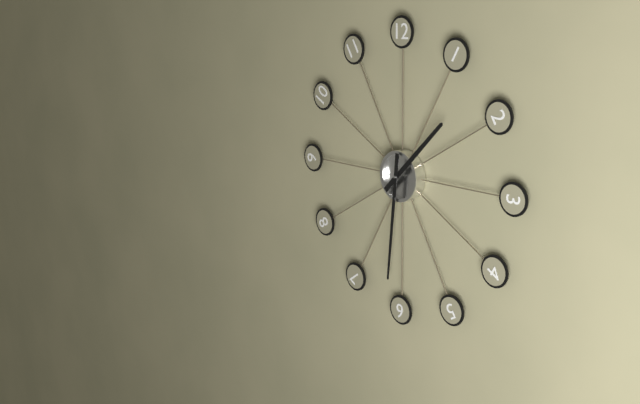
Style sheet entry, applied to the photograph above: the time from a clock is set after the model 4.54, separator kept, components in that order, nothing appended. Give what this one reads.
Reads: 1.31
